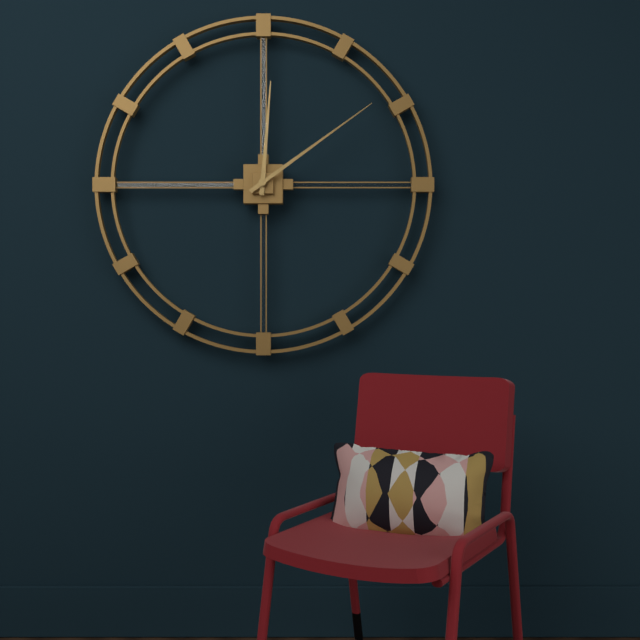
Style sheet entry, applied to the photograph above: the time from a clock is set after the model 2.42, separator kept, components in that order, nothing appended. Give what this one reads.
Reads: 12.09
